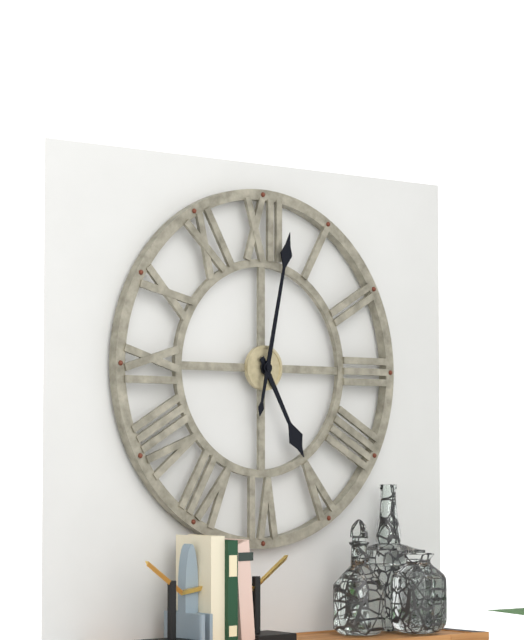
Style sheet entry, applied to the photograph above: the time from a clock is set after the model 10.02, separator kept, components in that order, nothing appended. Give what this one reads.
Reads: 5.02
